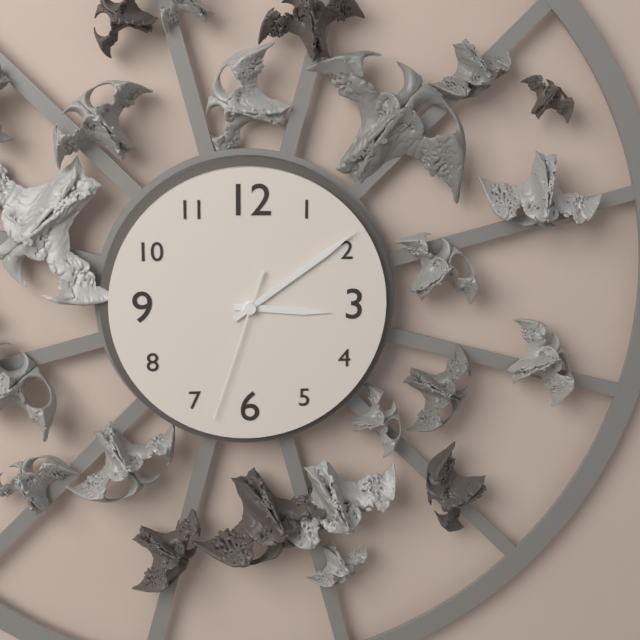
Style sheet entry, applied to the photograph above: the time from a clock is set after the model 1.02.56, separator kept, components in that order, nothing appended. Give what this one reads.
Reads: 3.09.33
